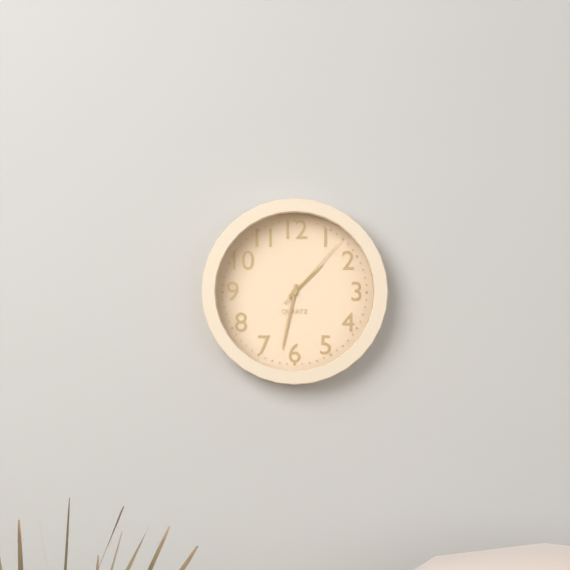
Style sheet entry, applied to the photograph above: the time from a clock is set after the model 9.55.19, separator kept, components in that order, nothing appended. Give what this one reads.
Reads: 1.32.07
